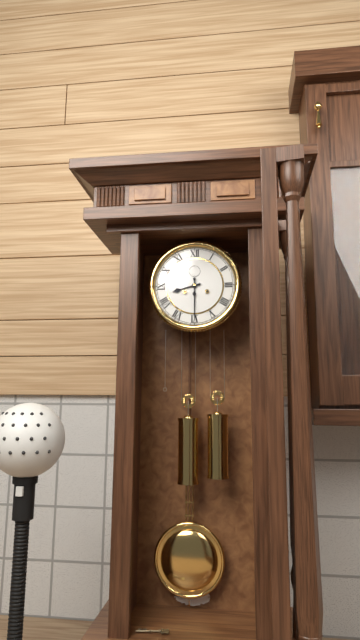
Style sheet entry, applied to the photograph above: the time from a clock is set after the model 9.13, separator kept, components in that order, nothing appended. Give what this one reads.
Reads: 8.30
